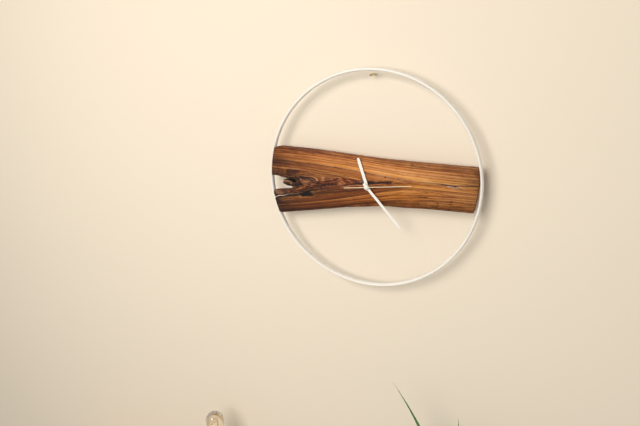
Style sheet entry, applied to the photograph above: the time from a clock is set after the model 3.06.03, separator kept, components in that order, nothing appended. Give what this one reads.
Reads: 11.23.14
